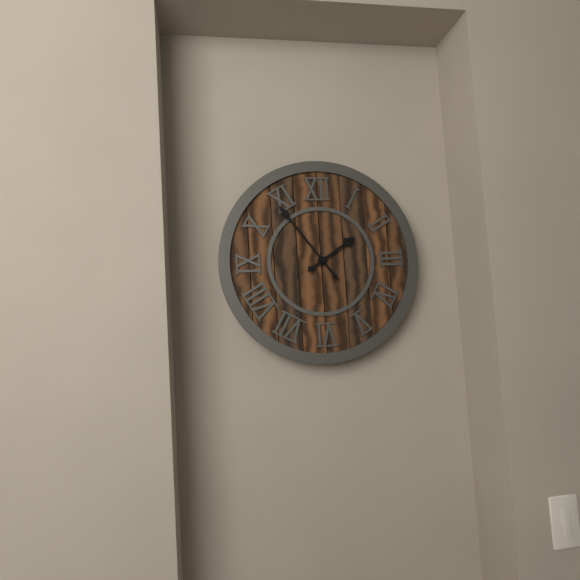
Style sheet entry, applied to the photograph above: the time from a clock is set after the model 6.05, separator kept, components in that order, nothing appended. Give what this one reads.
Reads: 1.54
